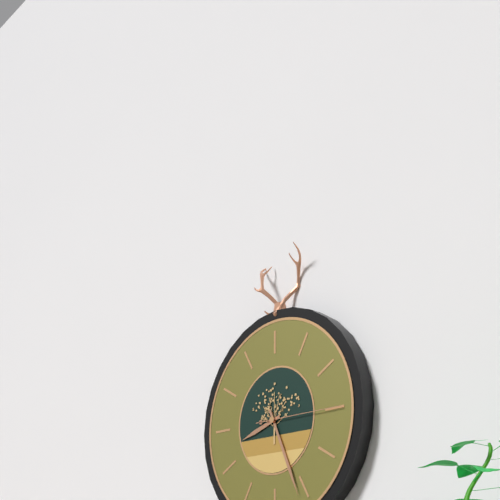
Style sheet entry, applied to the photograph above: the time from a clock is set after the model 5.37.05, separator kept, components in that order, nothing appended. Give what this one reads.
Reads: 8.26.15
